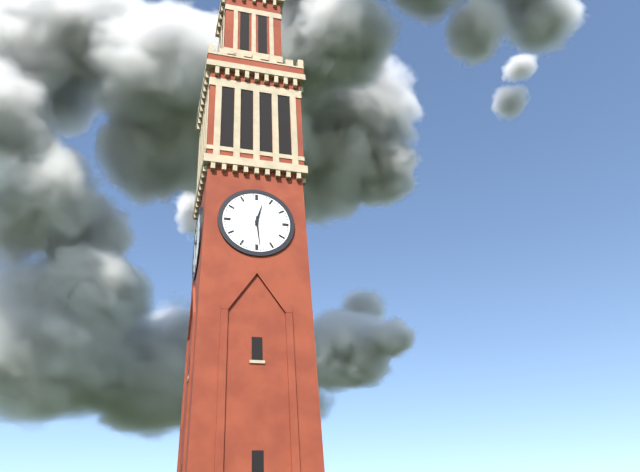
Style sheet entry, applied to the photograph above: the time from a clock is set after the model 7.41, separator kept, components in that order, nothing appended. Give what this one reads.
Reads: 12.29
